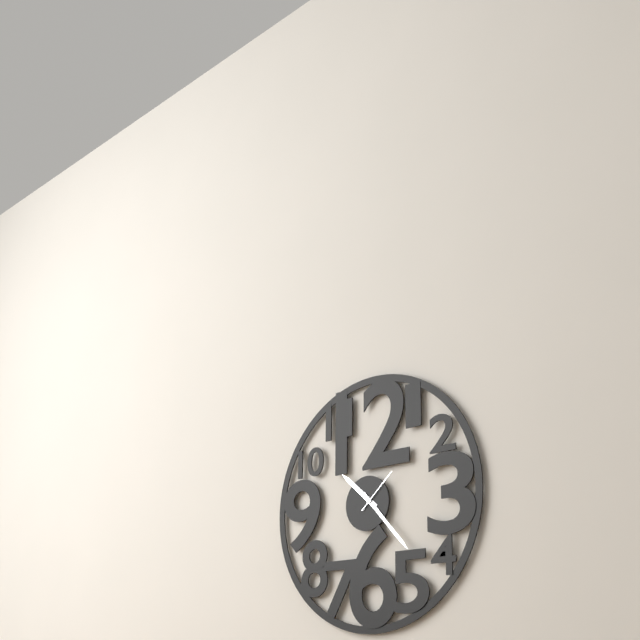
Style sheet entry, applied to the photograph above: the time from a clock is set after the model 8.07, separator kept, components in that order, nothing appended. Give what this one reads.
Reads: 10.23
